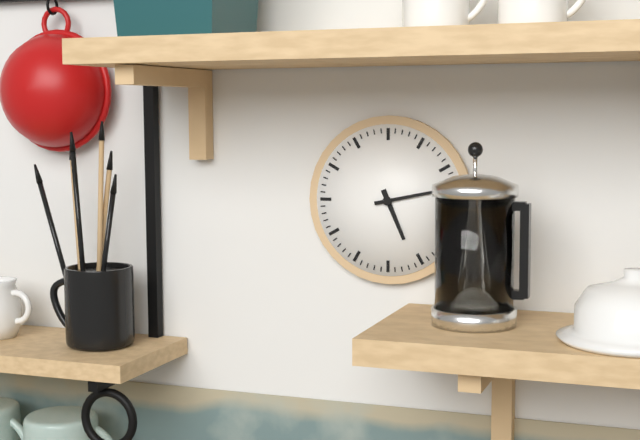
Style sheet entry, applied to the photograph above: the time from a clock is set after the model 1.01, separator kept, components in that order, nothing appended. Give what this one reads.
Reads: 5.13
